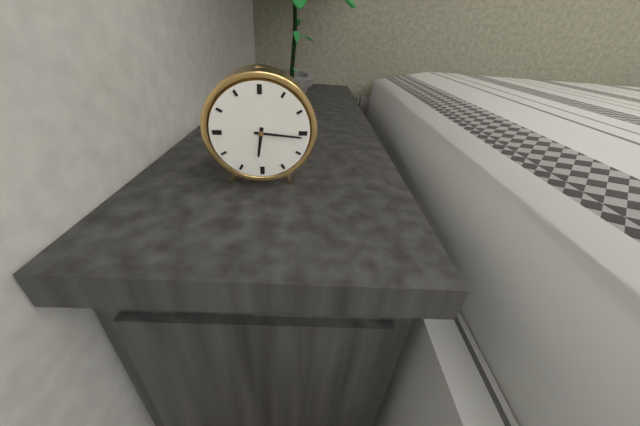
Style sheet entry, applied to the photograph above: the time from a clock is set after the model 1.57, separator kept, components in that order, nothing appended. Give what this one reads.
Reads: 6.16
